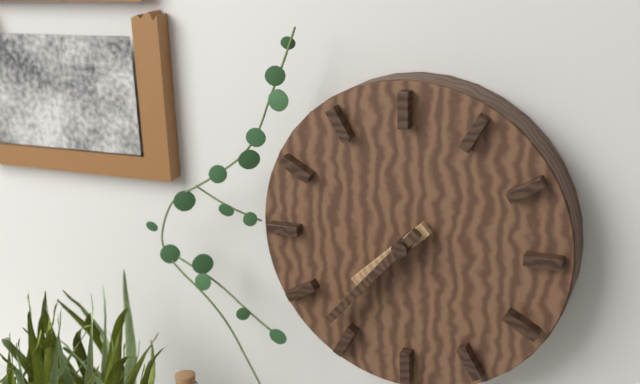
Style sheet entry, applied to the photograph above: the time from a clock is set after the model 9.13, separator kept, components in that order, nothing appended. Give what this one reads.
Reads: 7.37
